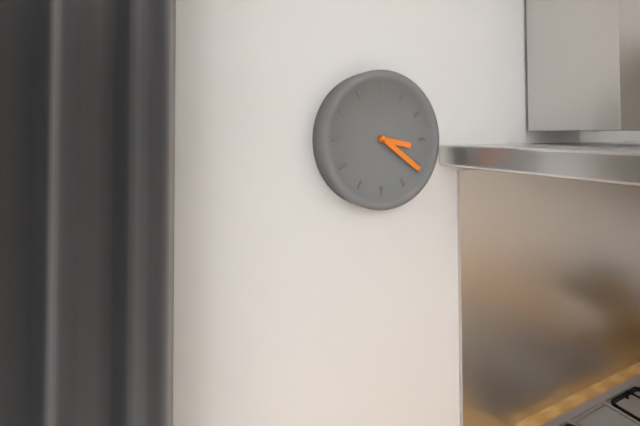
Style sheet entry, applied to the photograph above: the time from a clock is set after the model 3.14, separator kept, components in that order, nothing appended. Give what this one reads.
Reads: 3.21
